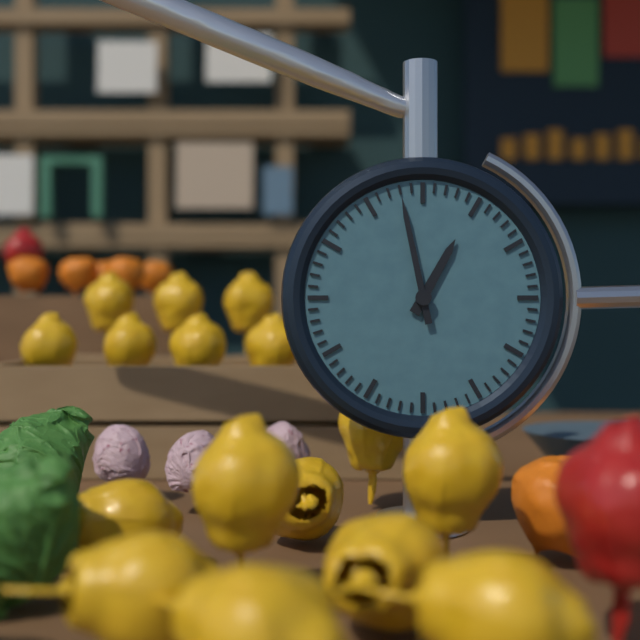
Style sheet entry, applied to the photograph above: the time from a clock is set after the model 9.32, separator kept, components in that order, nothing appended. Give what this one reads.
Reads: 12.58
